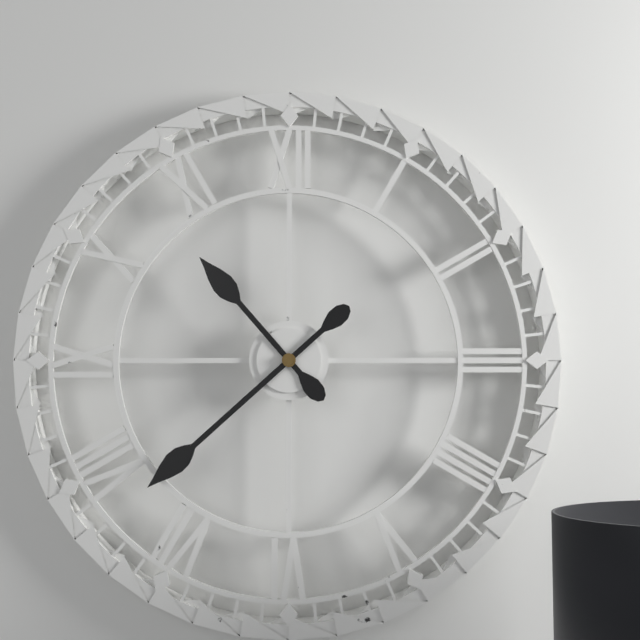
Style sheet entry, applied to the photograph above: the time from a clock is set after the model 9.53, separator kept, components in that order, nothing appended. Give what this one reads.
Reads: 10.38
